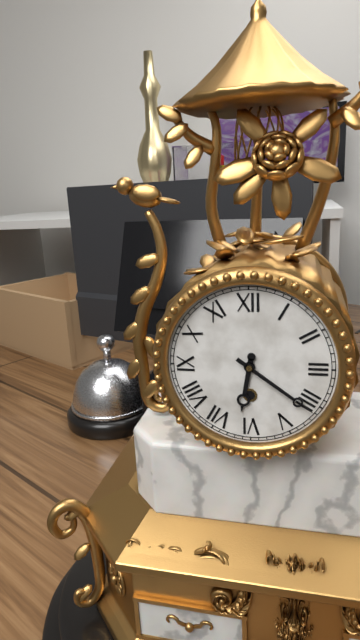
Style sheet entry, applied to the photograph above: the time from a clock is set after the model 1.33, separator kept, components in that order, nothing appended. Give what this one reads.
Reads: 6.21
